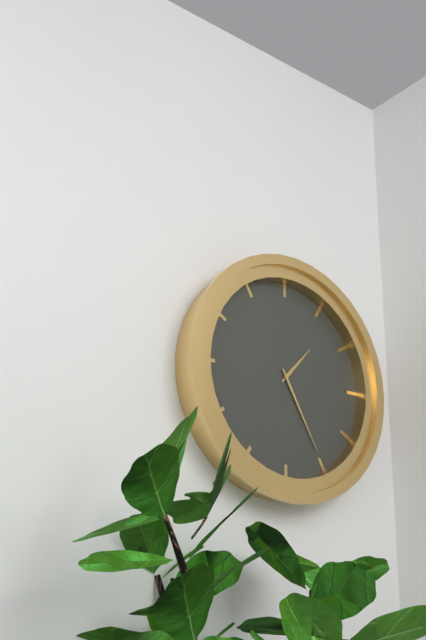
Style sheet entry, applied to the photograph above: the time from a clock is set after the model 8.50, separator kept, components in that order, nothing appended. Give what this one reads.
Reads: 1.25
